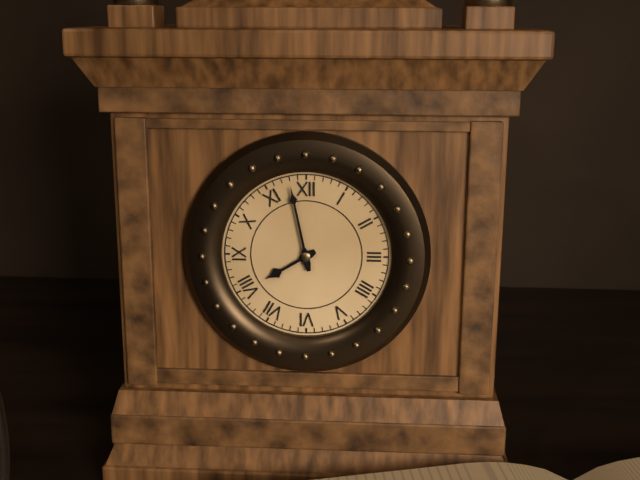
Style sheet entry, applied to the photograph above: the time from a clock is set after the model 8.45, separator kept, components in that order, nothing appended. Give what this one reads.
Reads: 7.58
